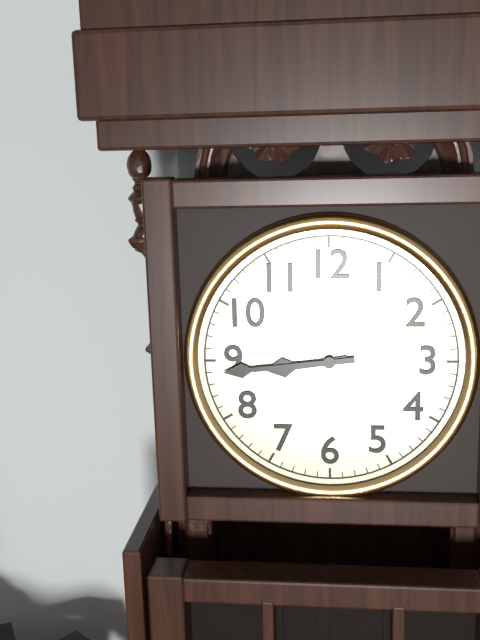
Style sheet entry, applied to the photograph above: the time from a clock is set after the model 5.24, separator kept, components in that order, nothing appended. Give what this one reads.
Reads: 8.44
